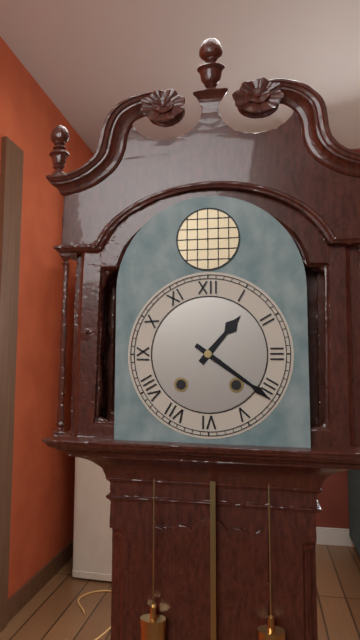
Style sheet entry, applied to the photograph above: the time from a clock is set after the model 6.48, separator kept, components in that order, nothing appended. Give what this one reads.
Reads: 1.21
